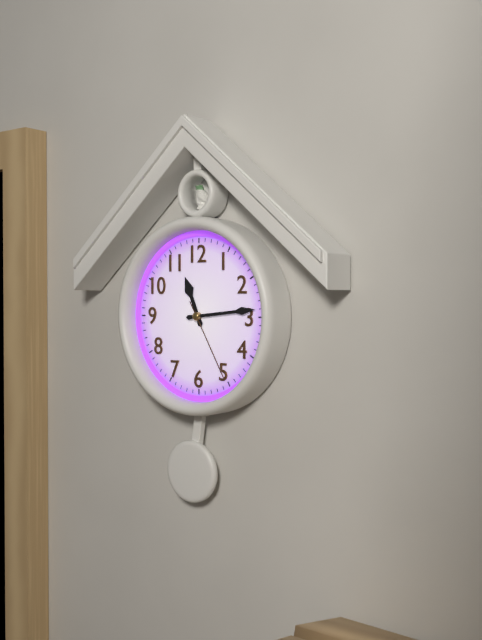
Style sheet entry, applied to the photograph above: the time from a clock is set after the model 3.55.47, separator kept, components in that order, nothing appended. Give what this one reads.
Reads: 11.14.25
